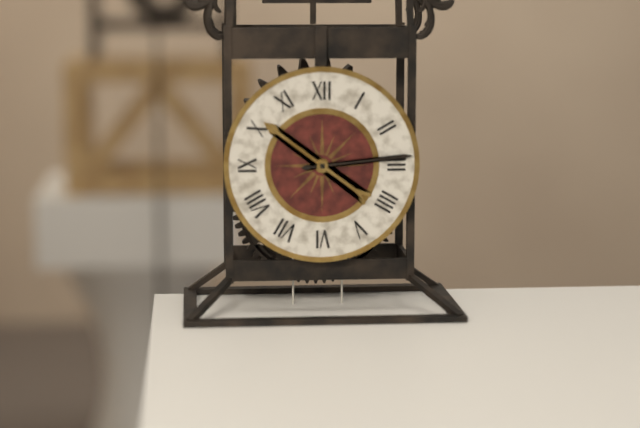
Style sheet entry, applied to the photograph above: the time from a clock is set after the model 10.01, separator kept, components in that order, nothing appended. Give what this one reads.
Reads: 10.14
